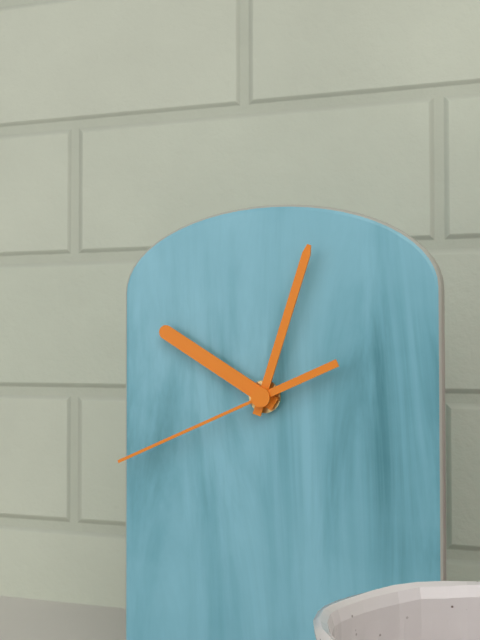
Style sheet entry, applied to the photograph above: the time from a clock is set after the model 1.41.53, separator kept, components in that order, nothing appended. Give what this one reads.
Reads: 10.03.41
